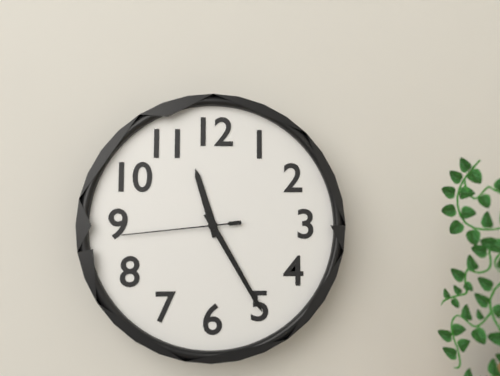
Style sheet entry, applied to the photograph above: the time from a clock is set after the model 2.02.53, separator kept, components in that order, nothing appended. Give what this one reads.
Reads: 11.25.44
